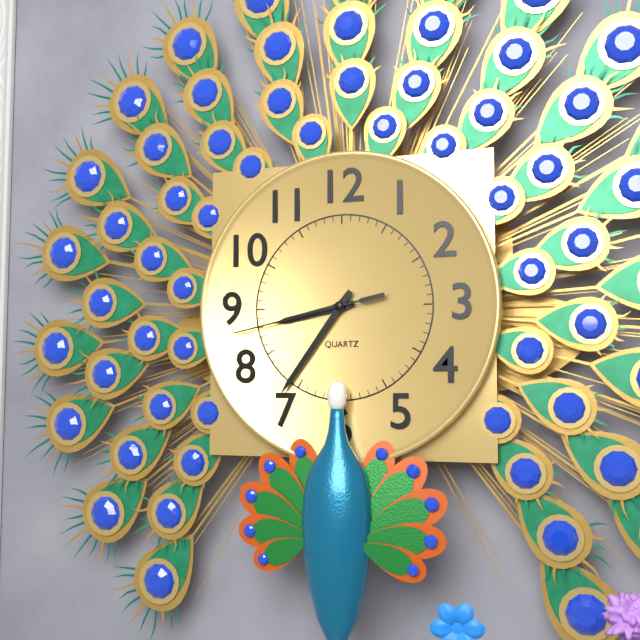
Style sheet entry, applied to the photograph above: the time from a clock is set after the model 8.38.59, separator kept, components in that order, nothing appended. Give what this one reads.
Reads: 8.36.43
